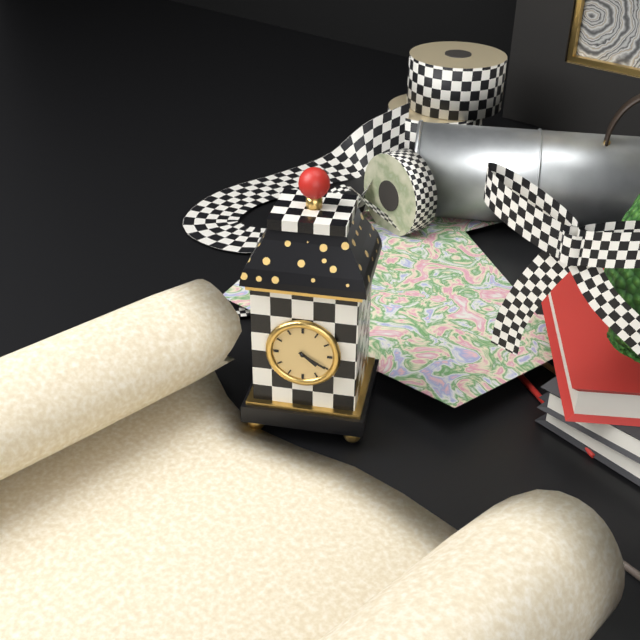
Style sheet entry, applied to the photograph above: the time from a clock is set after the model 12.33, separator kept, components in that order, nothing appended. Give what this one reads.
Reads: 4.20
